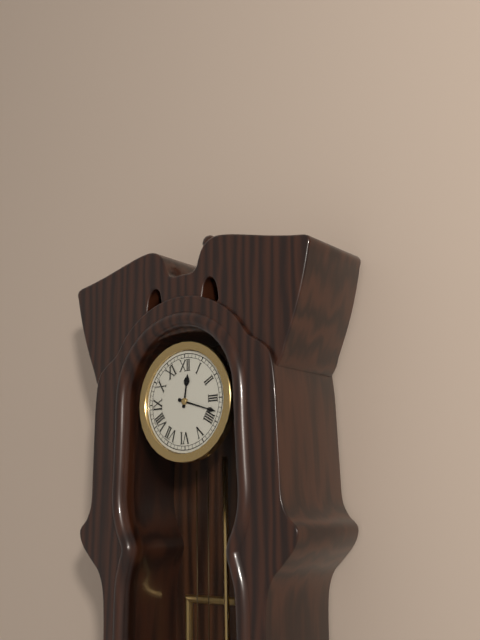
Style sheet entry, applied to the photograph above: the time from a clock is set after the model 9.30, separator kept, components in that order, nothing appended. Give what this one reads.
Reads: 12.18
